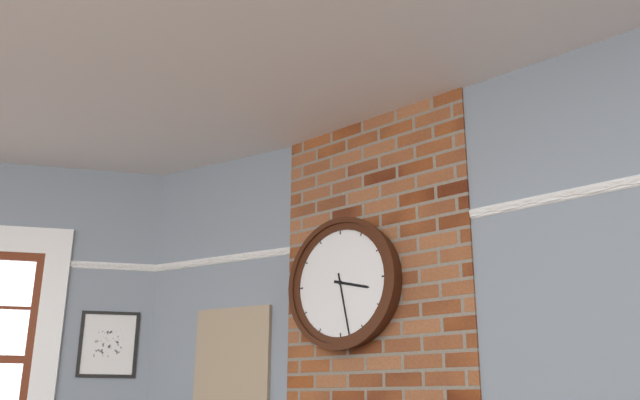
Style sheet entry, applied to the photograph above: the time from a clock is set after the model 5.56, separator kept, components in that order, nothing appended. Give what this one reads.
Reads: 3.28
